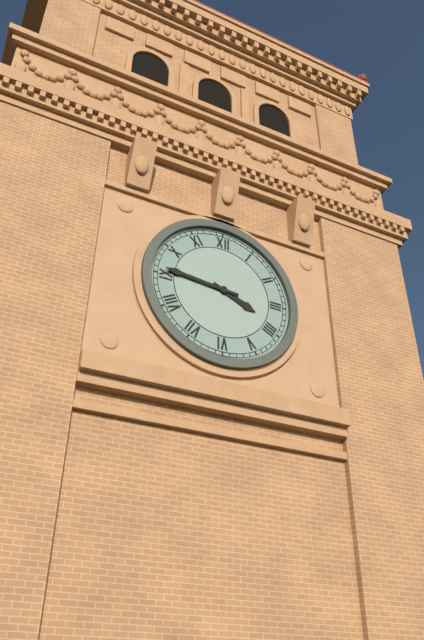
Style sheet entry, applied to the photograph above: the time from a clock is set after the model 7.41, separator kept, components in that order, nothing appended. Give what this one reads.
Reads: 3.46
